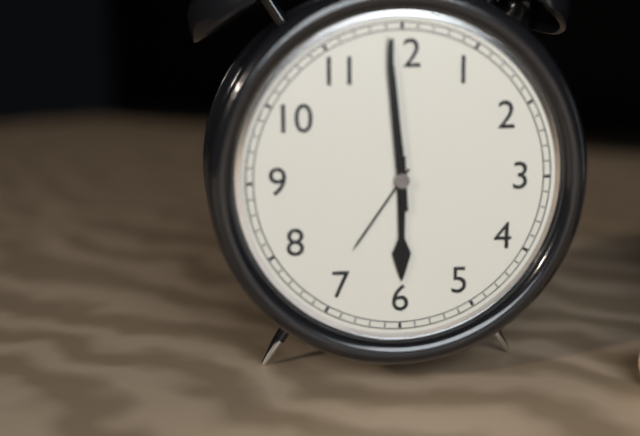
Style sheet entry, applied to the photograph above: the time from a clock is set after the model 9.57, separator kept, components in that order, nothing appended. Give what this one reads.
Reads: 5.59
